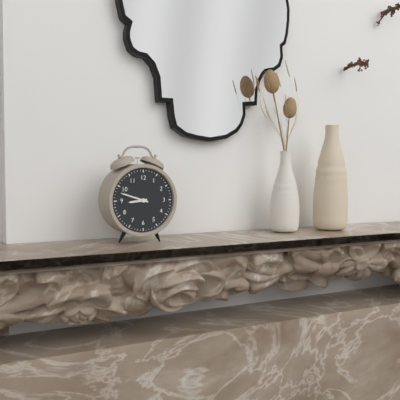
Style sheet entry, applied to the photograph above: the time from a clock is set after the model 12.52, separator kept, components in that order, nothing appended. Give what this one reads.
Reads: 8.48
